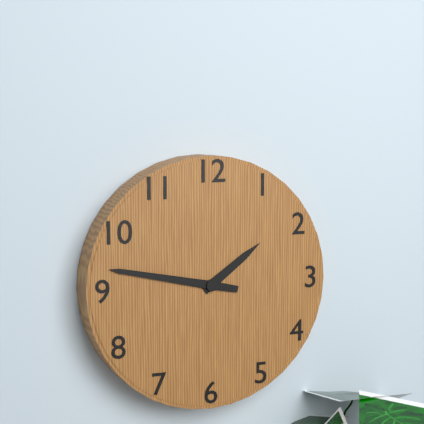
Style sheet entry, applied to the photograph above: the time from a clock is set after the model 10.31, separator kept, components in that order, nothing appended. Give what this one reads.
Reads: 1.47
